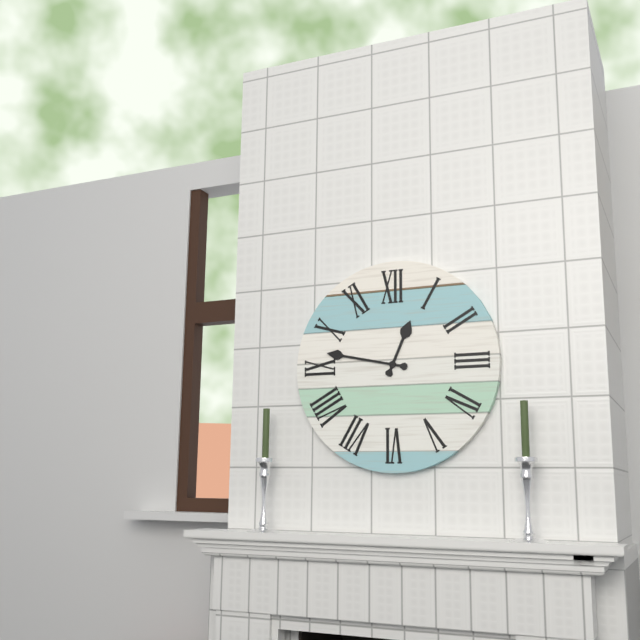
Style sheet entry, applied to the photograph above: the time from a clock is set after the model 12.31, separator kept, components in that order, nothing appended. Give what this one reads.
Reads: 12.47
